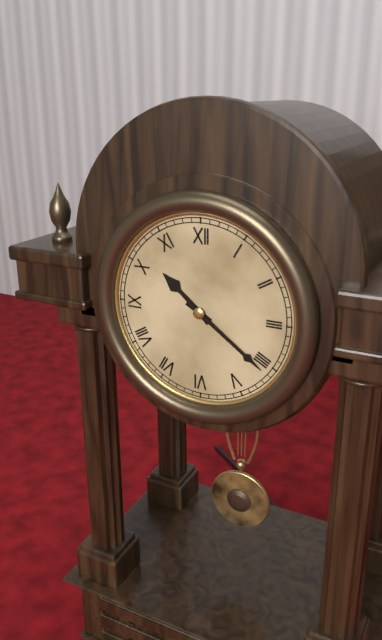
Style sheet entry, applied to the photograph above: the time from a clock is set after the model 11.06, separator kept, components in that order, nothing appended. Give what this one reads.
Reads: 10.21
